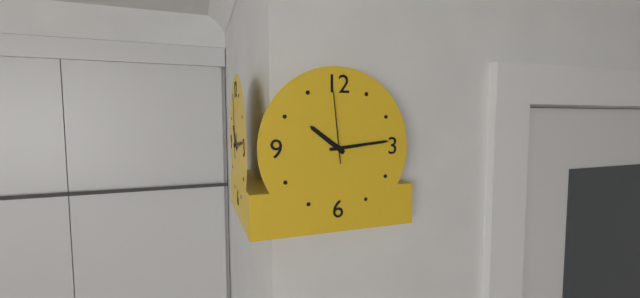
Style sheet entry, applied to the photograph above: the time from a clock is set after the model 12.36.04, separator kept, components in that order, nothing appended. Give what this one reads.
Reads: 10.14.59
